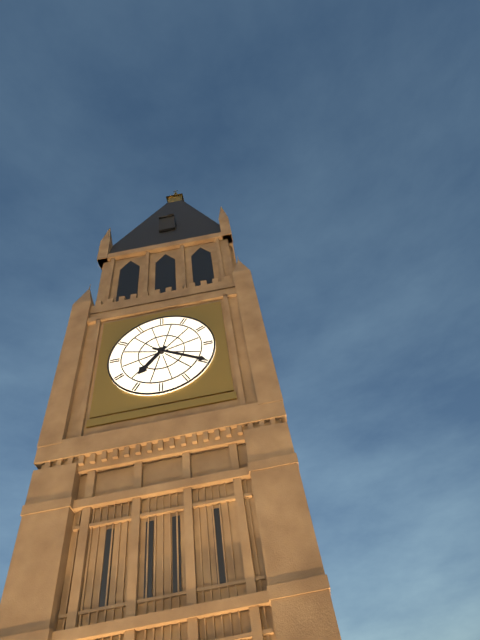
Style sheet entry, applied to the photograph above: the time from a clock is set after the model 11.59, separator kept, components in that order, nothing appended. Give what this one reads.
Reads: 7.20
